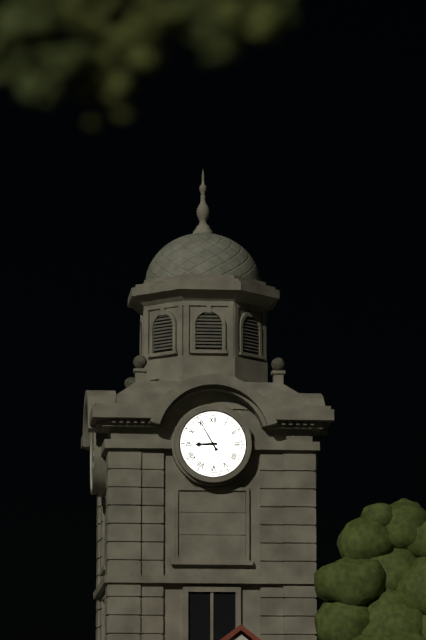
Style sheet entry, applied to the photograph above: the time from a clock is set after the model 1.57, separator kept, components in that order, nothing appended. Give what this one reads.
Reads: 8.55
